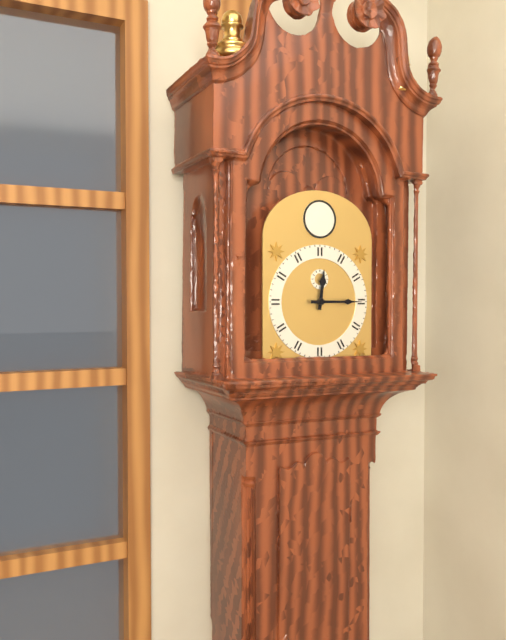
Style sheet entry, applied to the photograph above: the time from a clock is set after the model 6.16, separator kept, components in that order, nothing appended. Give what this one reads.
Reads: 12.15
